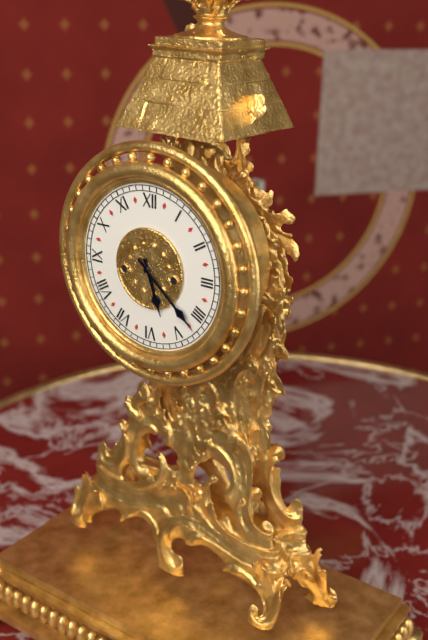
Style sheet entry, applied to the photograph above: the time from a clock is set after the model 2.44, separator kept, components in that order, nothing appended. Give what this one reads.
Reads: 5.22
